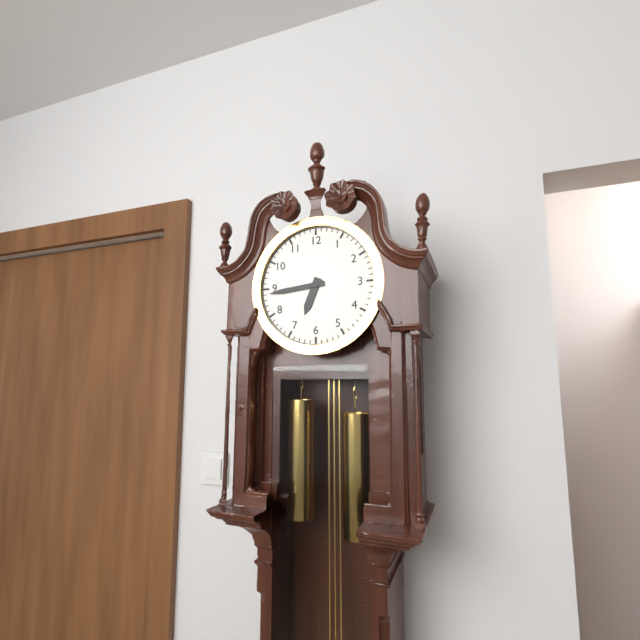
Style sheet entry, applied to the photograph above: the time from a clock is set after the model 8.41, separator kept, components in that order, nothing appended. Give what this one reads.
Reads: 6.44
